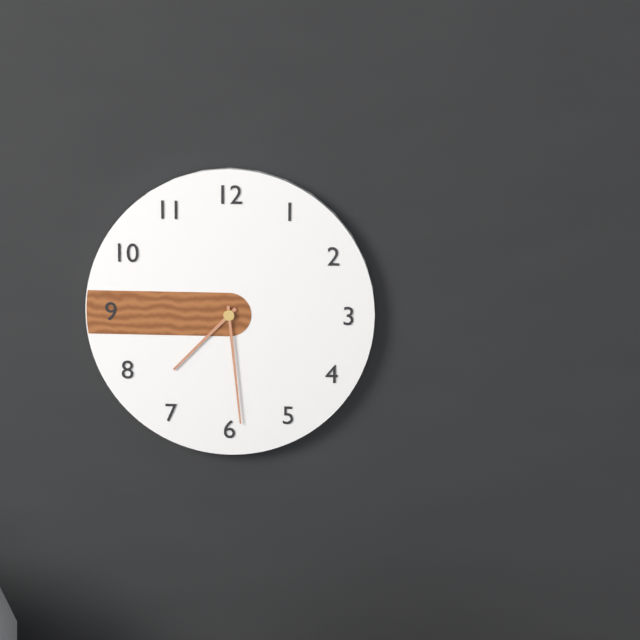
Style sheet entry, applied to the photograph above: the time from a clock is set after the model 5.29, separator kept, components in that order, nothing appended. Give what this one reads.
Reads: 7.29
